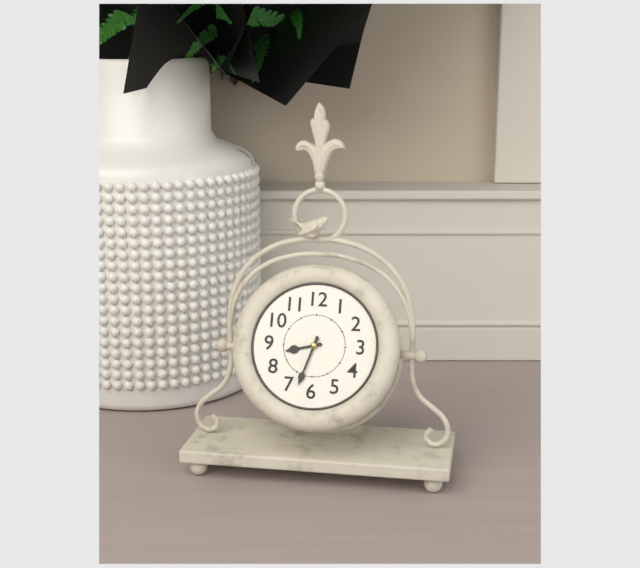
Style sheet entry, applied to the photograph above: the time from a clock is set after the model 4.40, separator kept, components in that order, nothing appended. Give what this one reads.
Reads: 8.33
